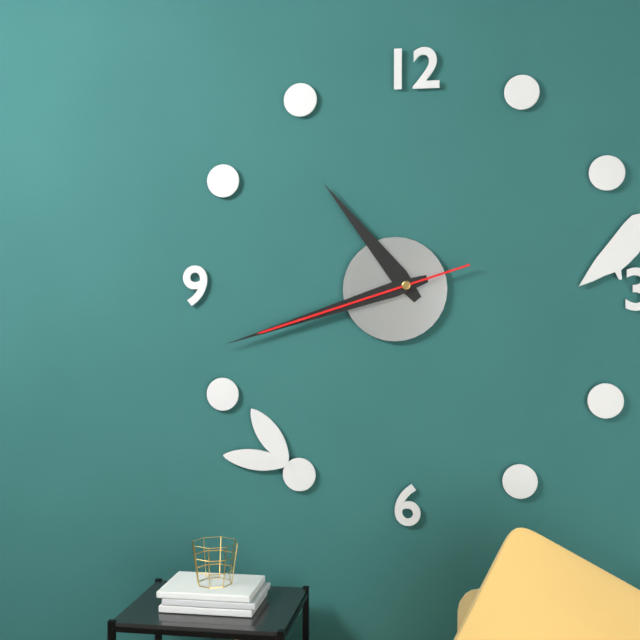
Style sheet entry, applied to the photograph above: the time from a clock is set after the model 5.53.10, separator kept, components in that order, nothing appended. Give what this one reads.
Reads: 10.42.42
